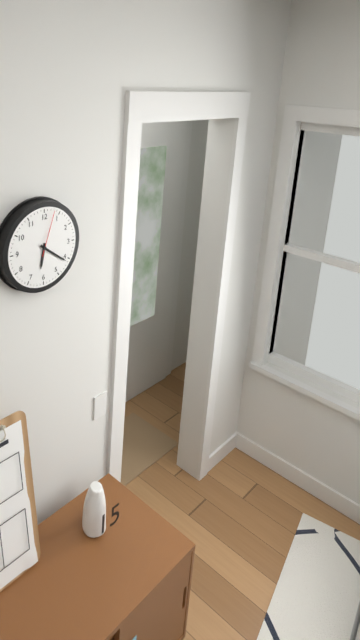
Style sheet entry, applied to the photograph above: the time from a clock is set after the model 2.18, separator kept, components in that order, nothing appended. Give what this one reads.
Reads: 6.21
